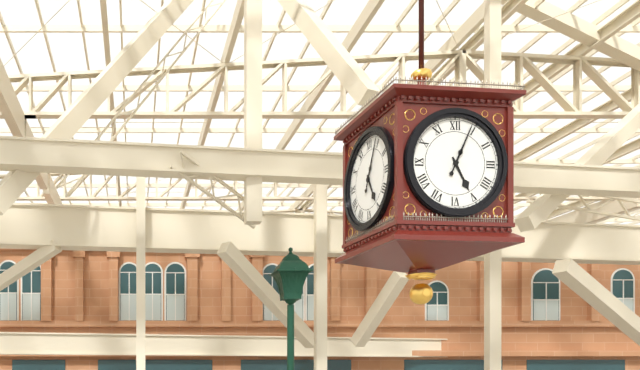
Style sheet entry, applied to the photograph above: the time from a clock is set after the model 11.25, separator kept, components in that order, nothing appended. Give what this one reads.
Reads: 5.04
